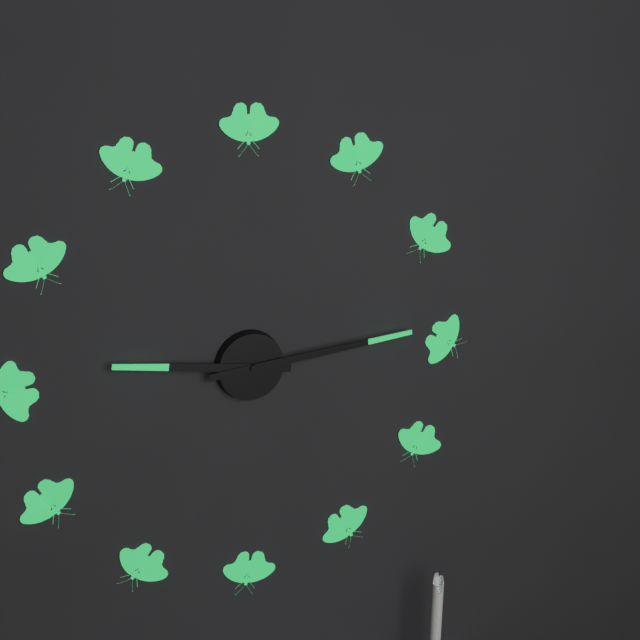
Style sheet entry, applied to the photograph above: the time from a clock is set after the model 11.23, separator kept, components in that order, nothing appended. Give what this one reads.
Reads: 9.14
